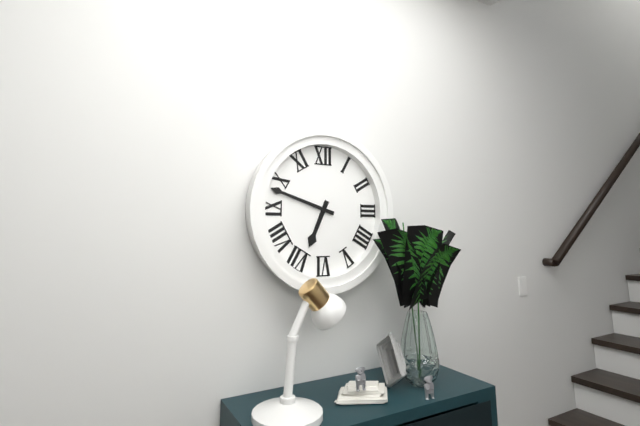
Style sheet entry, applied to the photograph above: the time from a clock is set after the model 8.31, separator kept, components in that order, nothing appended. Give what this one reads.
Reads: 6.48
